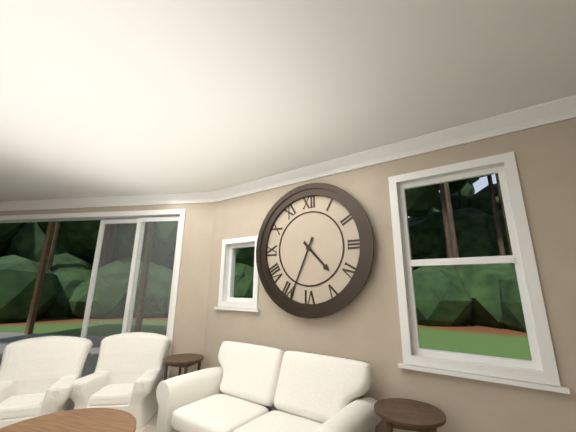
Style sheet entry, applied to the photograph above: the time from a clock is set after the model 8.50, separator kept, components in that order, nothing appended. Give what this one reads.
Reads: 4.34
